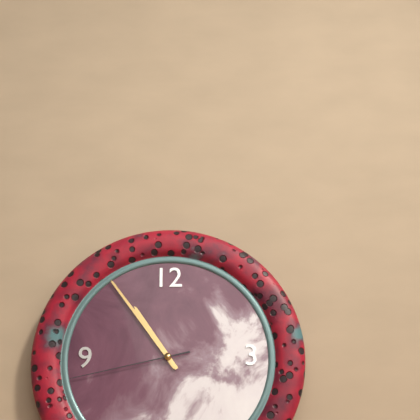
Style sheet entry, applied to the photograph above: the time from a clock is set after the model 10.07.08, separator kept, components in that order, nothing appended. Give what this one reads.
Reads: 10.54.43
